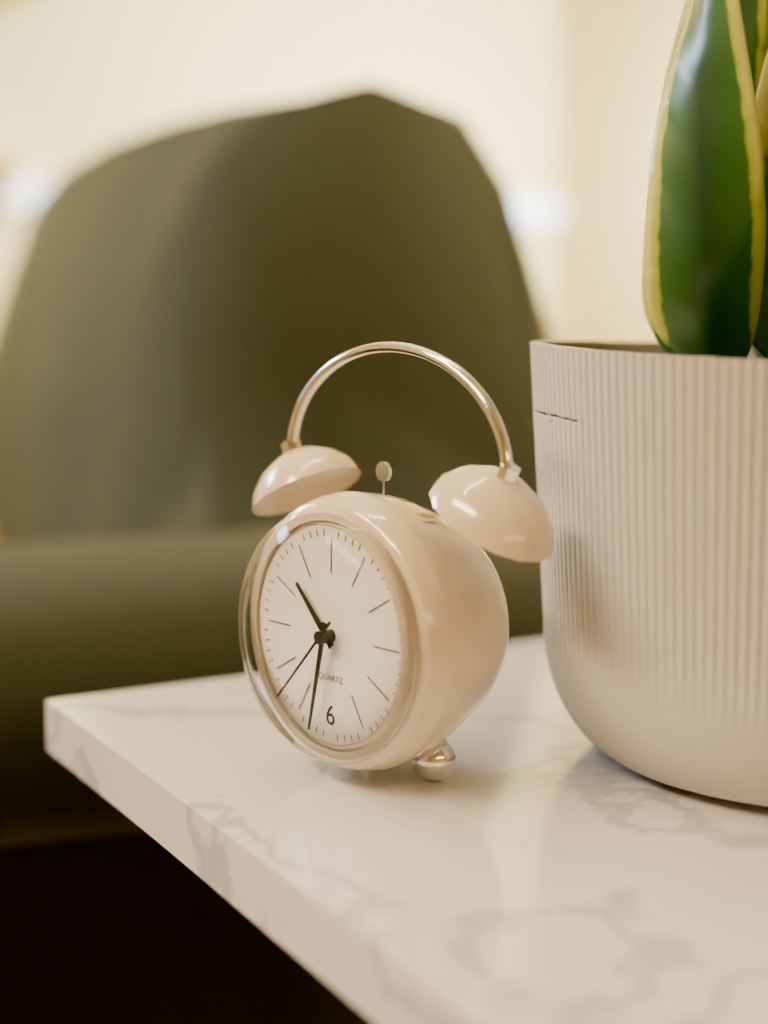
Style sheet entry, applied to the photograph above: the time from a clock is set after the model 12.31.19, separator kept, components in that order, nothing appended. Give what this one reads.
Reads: 10.32.37
